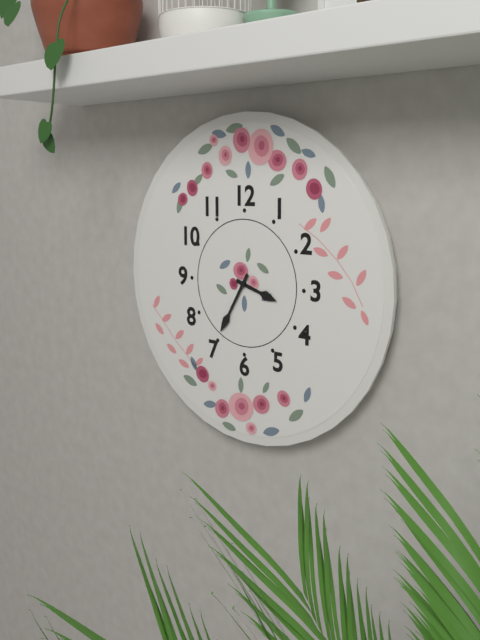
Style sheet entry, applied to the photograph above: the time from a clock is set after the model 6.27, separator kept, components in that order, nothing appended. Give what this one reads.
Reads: 3.35
